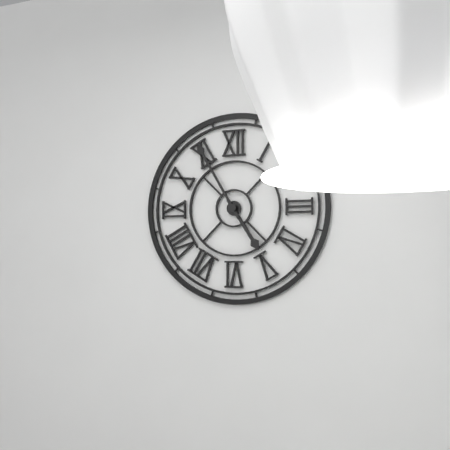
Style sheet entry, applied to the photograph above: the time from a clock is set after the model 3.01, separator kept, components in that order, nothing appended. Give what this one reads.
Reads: 4.55
